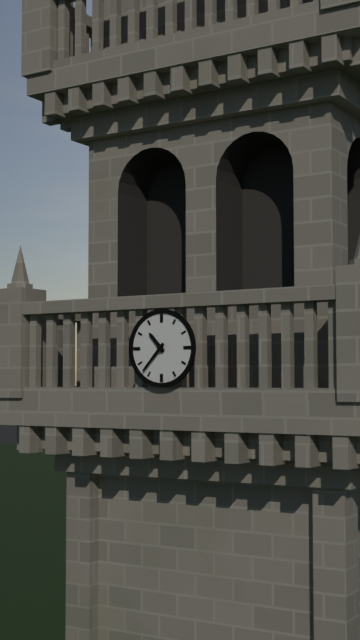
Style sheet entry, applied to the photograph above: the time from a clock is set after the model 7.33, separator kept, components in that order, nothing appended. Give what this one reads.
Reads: 10.37
